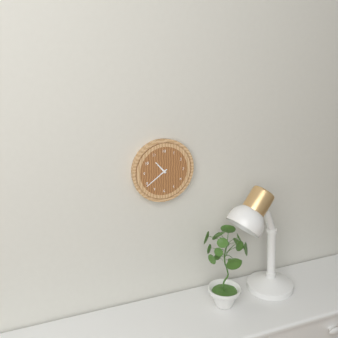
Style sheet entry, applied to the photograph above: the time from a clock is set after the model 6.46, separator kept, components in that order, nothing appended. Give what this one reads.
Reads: 10.39
